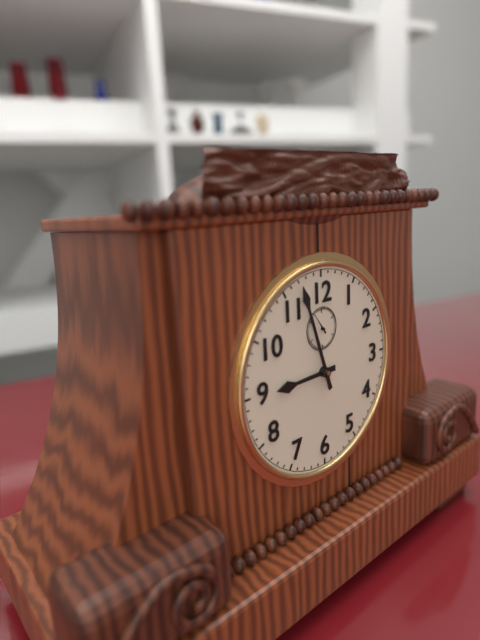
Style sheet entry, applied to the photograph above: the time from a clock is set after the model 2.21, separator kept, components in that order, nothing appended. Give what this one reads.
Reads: 8.57
